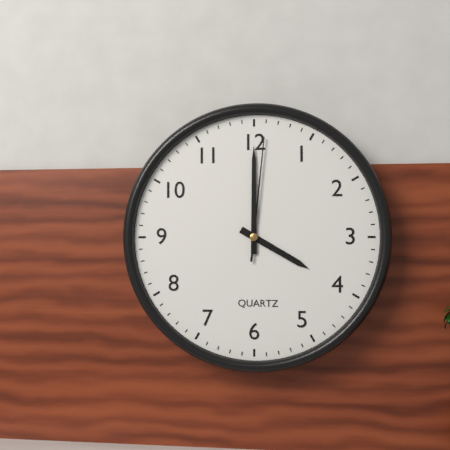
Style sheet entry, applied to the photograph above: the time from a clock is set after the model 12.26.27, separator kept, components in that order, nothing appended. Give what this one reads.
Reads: 4.00.01
